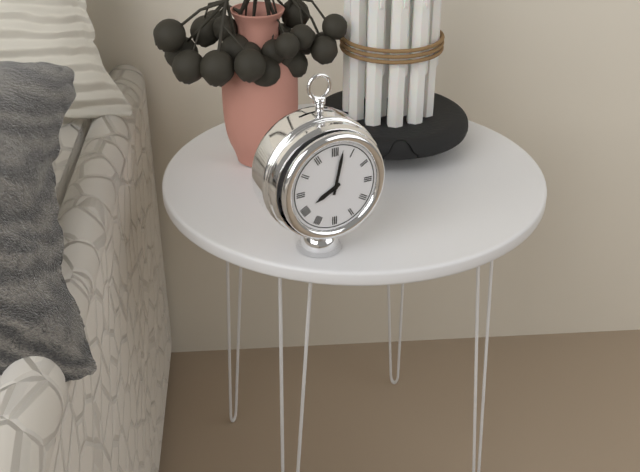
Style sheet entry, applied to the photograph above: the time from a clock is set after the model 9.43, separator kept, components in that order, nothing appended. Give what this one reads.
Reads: 8.02
